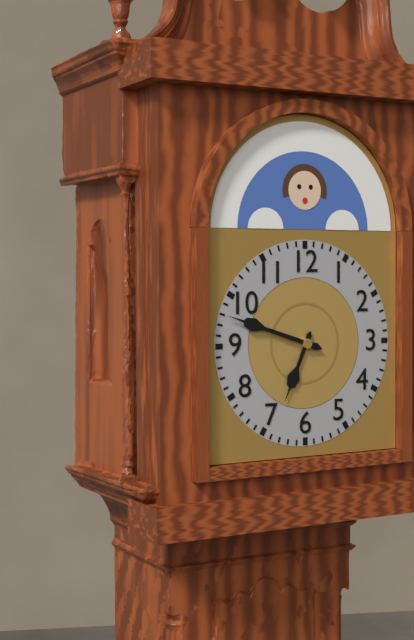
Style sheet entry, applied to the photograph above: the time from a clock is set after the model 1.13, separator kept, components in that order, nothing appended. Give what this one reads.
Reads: 6.48
